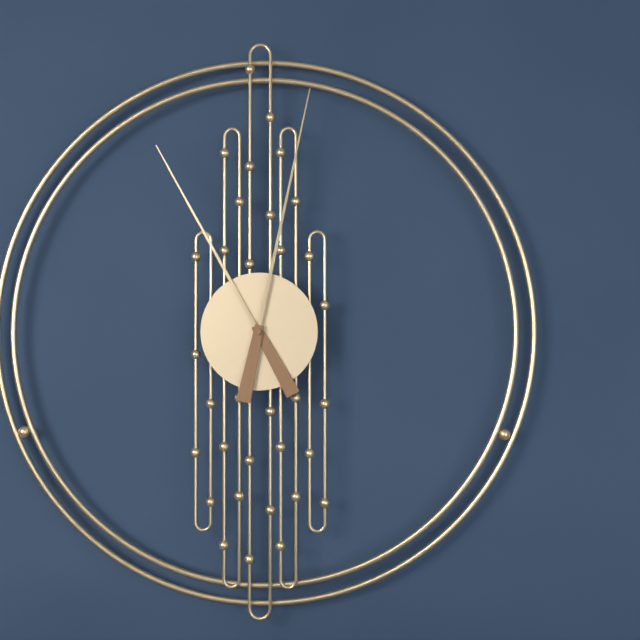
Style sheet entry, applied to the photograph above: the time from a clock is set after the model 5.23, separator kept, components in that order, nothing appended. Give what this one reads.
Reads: 11.02
